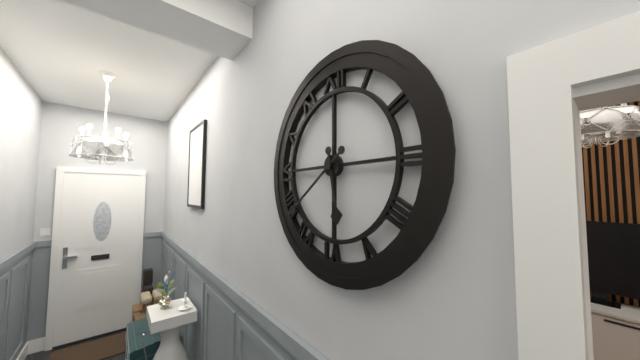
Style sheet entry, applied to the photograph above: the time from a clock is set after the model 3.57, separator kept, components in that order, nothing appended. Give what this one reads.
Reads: 5.39
